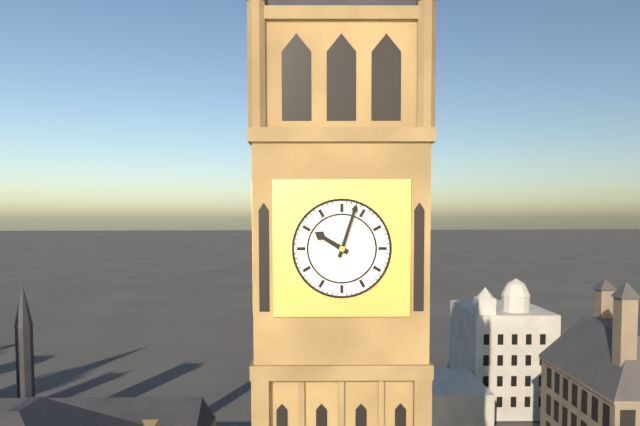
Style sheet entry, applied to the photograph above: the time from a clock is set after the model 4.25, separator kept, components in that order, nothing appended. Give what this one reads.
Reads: 10.03
